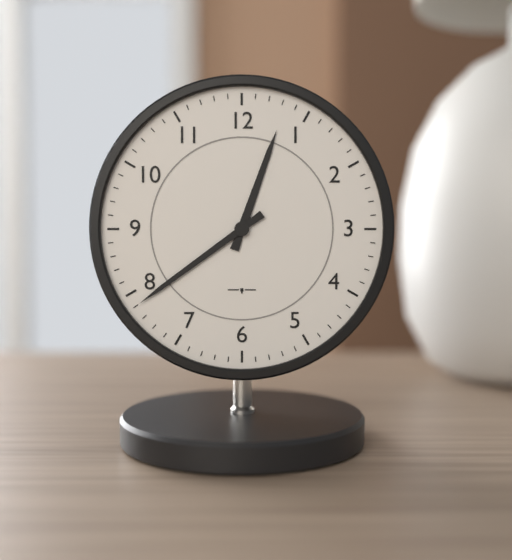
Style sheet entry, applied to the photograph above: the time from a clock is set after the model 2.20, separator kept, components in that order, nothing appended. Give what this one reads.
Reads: 12.39
